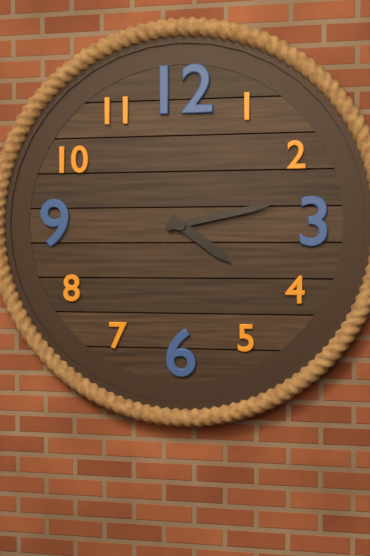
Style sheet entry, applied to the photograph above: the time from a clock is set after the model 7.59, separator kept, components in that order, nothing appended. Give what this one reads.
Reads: 4.13
